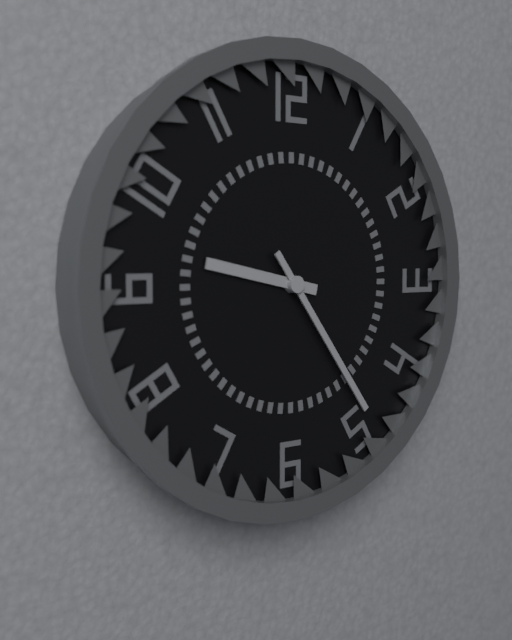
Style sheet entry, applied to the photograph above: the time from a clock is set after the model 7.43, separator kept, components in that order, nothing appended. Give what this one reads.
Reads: 9.24
